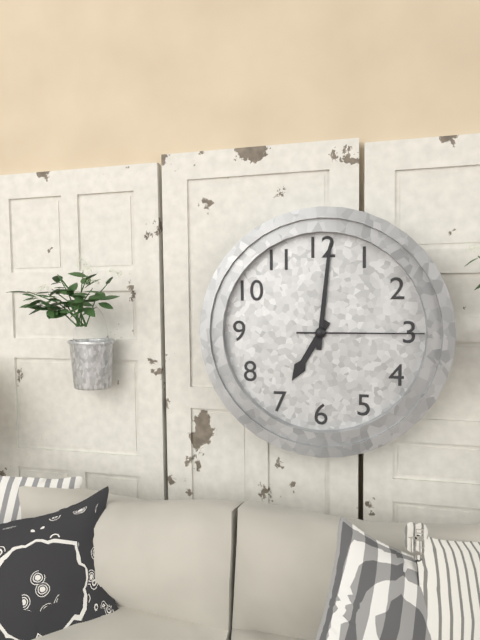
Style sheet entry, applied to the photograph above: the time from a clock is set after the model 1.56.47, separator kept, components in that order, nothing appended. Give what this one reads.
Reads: 7.01.15
